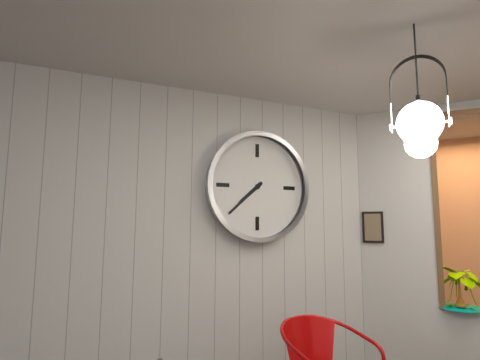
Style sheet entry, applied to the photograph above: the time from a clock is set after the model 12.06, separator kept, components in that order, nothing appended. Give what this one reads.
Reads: 7.38
